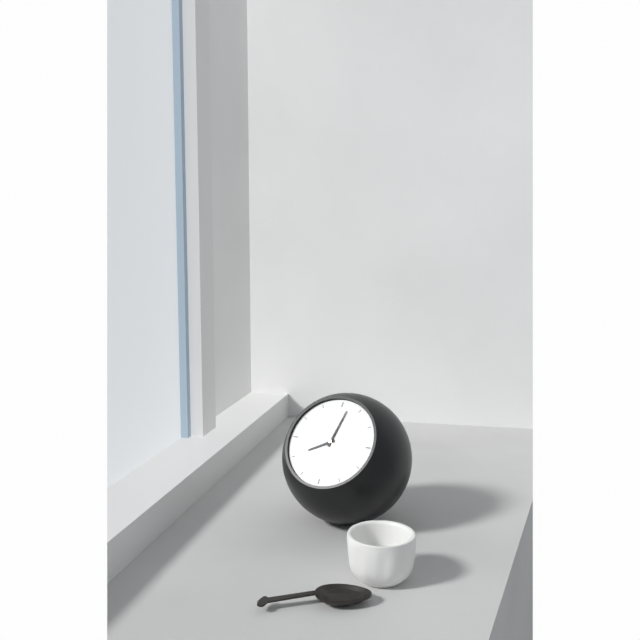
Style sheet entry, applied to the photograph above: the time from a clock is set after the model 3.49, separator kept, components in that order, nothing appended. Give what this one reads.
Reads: 8.02
